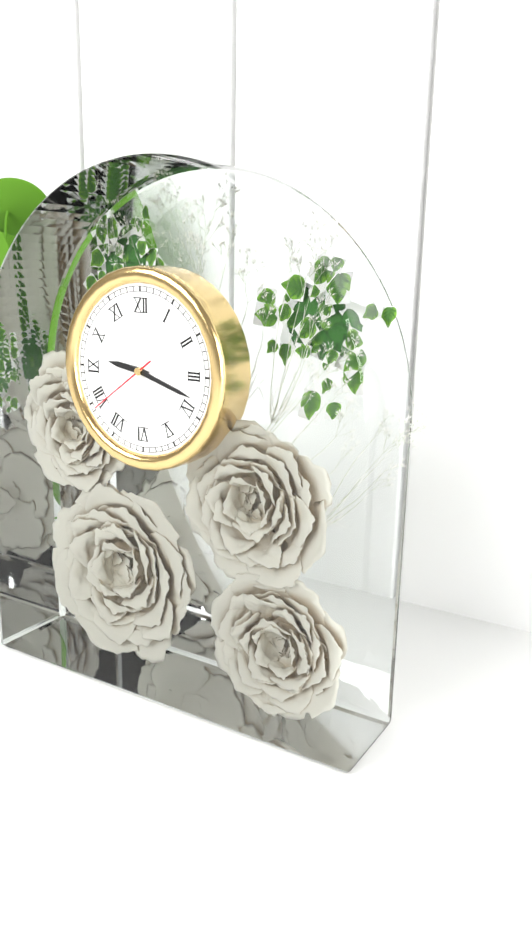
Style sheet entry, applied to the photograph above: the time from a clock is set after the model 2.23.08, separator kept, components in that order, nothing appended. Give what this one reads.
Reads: 9.18.39
